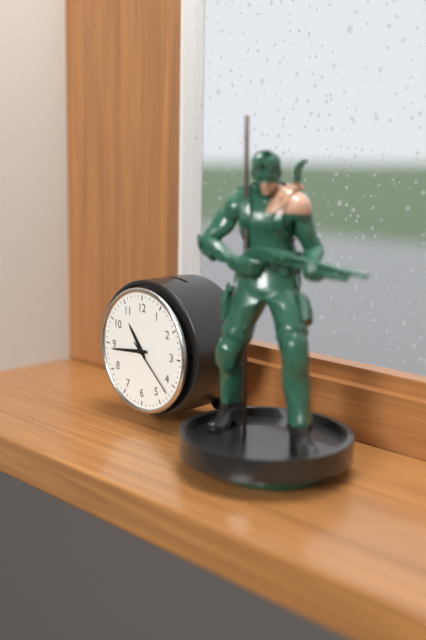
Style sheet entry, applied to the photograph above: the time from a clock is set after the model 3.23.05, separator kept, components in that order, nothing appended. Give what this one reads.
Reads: 10.44.22
